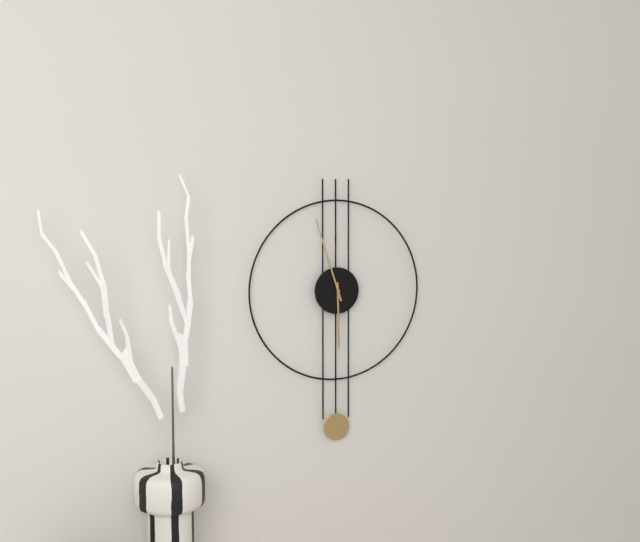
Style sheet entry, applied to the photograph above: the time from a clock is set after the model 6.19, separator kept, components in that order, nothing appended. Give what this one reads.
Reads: 5.57
